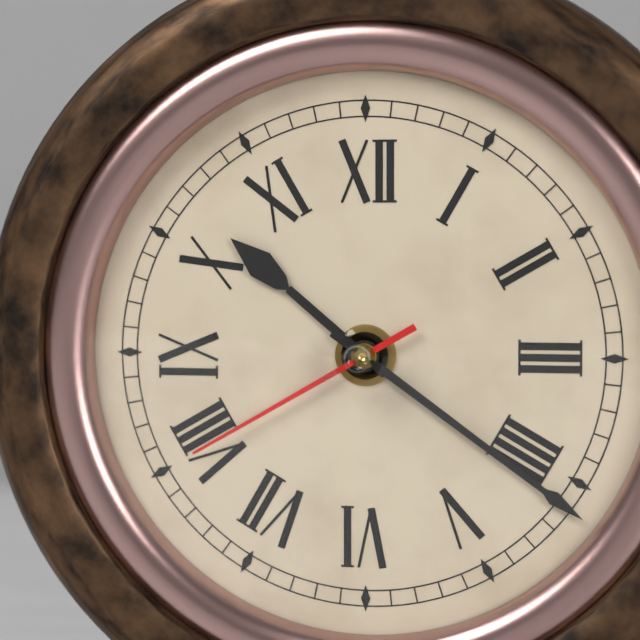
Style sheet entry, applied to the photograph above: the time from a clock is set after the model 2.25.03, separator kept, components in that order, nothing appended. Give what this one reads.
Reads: 10.21.40
